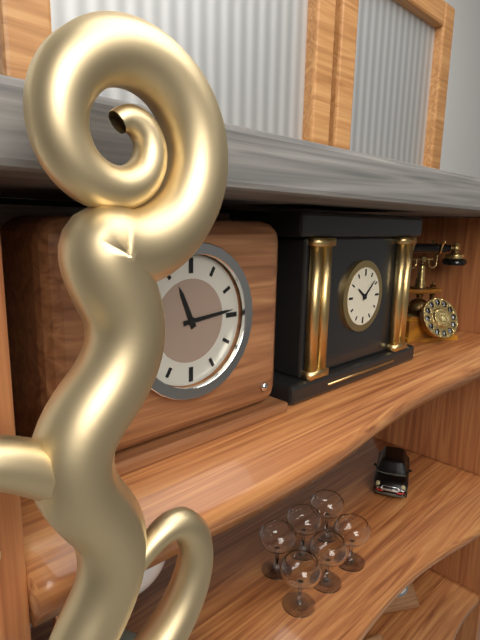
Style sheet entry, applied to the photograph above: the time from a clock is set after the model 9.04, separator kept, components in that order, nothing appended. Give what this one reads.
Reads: 11.14
